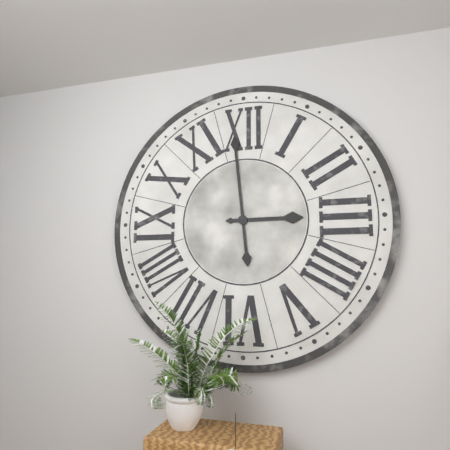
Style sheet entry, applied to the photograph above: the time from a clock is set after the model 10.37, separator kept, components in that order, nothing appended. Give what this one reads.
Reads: 2.59
